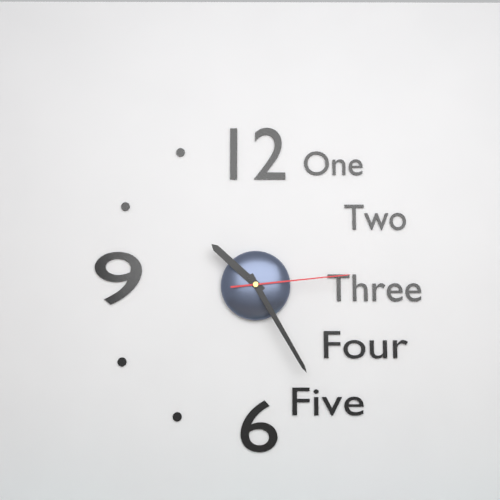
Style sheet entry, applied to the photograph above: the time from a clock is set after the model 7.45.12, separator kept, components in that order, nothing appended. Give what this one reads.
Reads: 10.25.14
